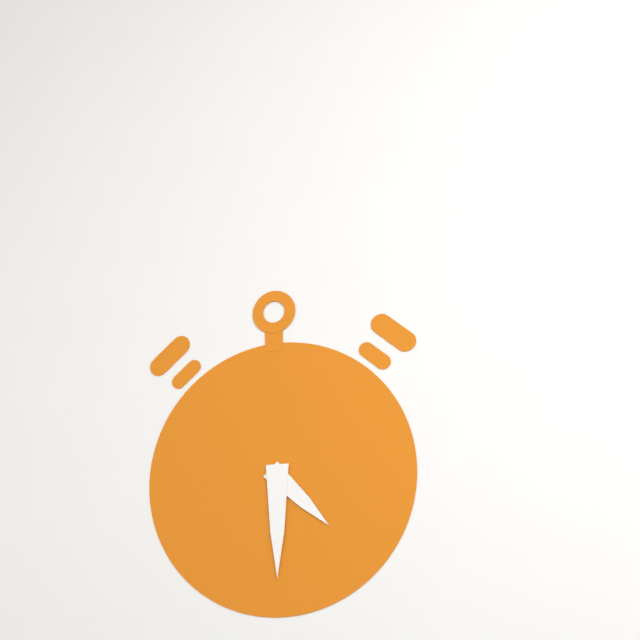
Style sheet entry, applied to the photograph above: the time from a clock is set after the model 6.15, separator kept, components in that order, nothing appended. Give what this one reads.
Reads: 4.30
